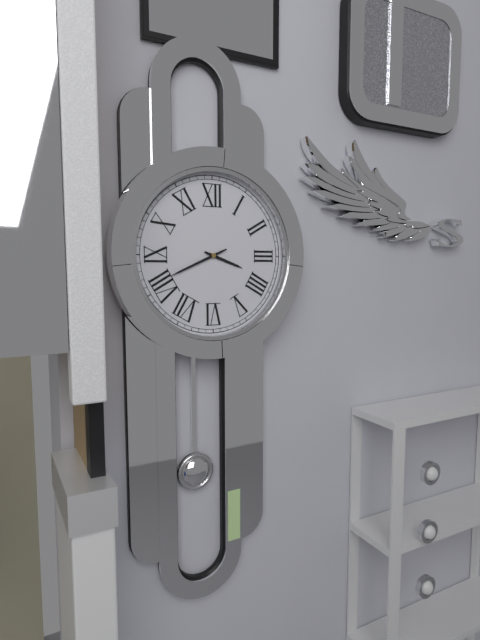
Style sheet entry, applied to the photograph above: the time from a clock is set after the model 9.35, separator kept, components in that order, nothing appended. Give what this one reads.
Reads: 3.41
